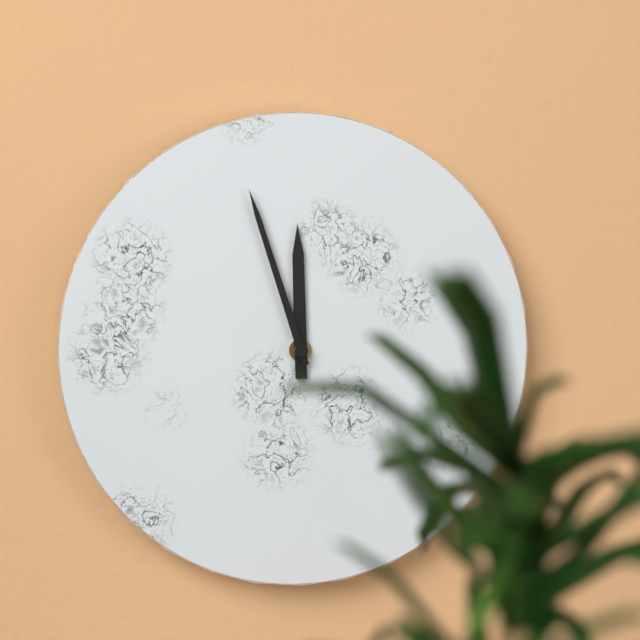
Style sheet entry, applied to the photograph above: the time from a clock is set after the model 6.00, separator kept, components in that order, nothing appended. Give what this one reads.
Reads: 11.57
